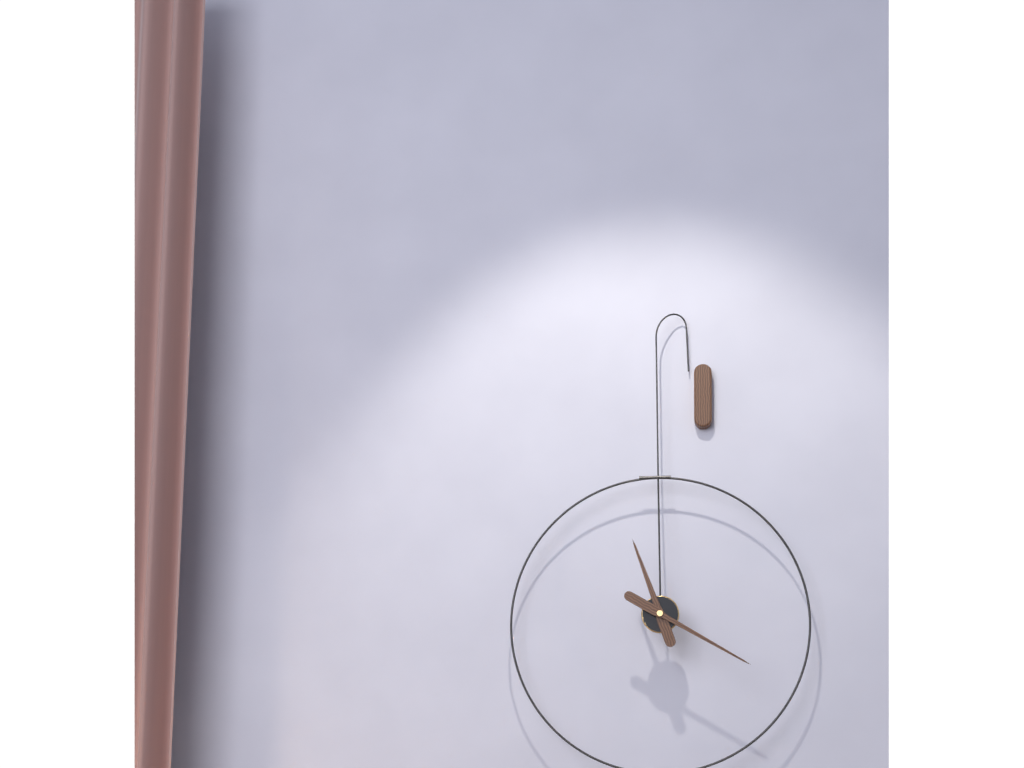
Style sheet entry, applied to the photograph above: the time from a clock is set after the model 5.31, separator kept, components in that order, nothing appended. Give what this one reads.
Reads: 11.20
